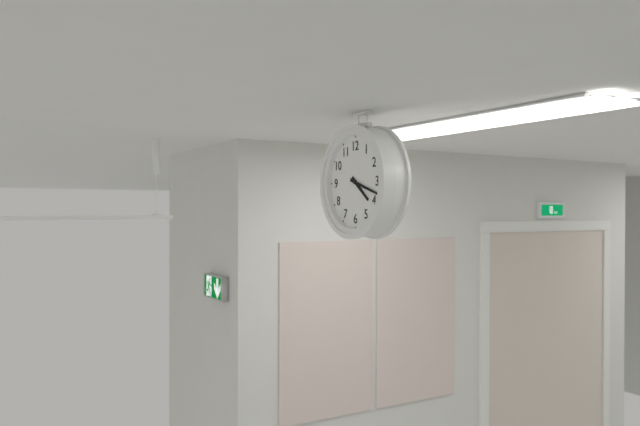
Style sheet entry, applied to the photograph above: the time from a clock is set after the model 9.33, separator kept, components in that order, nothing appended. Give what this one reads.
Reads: 4.18
